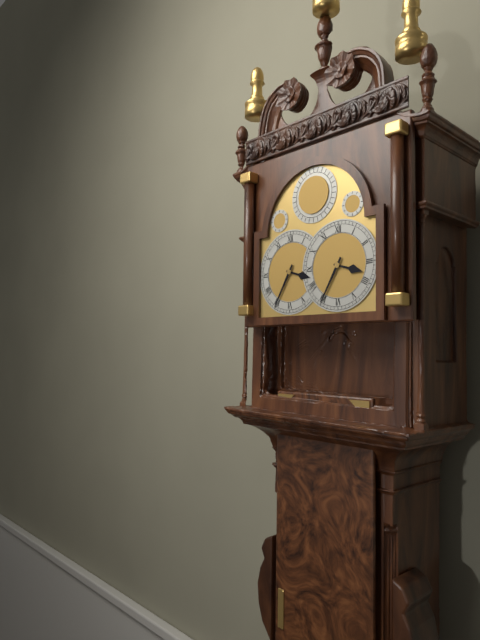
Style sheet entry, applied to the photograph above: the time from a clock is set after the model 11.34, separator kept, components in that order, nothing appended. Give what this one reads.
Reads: 3.35
